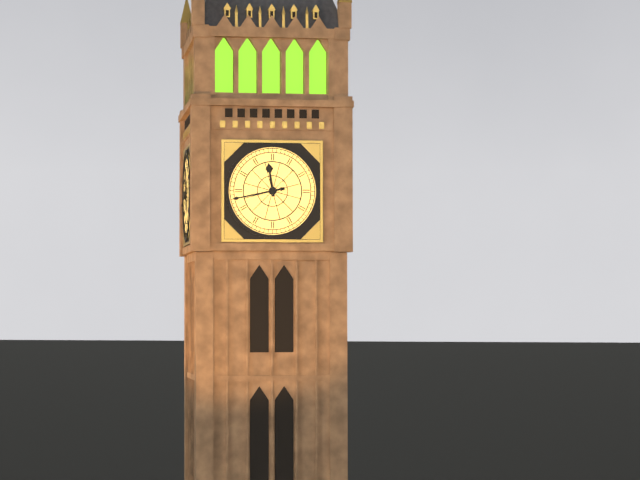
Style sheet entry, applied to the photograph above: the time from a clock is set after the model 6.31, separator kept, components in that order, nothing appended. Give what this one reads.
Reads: 11.43
